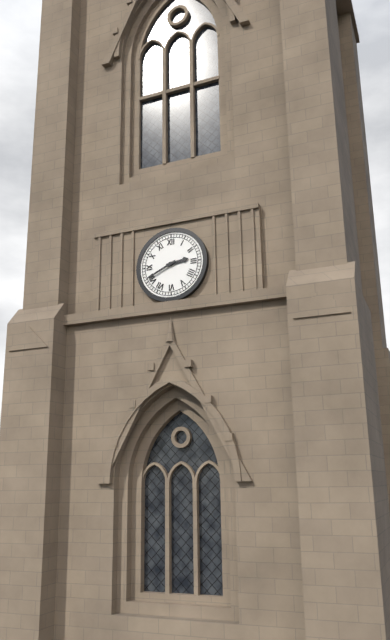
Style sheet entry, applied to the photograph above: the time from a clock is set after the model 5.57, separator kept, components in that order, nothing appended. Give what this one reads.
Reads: 2.41
